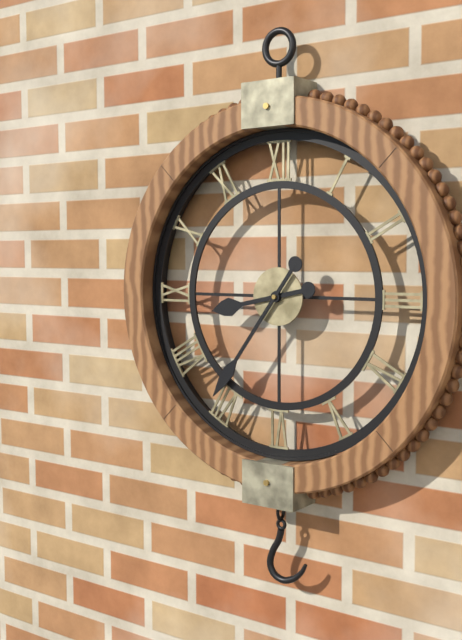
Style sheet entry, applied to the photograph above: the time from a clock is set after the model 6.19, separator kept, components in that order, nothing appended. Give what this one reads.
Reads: 8.36
